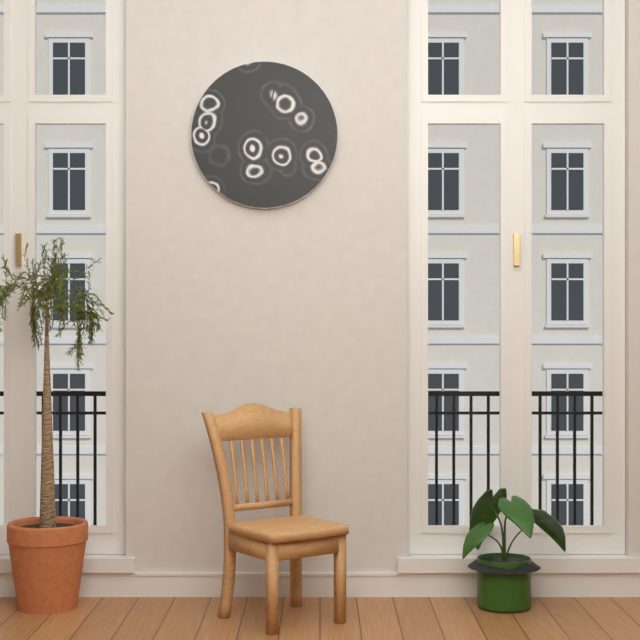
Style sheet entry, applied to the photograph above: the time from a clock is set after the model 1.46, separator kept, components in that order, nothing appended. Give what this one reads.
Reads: 3.02
